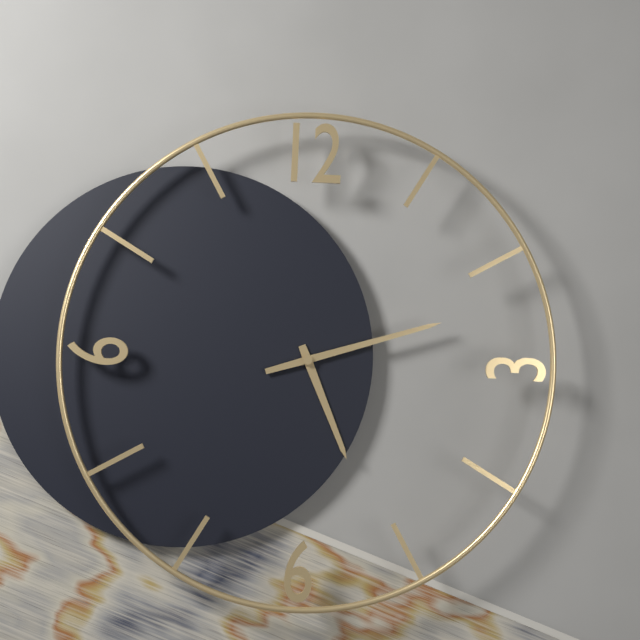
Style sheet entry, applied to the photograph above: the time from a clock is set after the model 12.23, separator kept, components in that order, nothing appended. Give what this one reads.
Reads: 5.12
